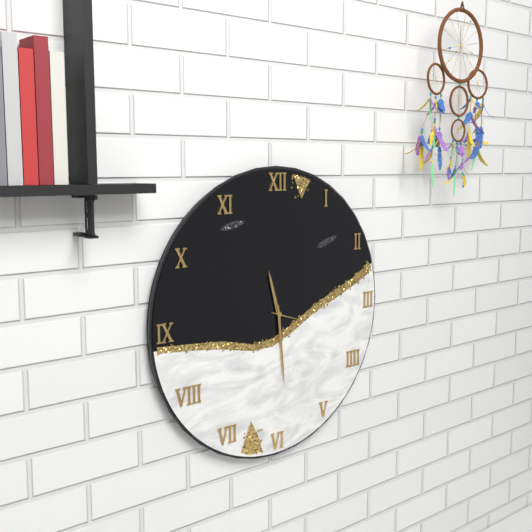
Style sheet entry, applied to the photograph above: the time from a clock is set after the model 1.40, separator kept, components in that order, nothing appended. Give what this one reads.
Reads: 11.29
